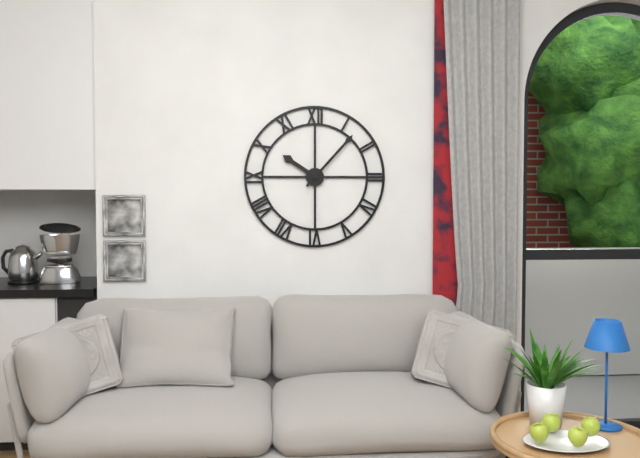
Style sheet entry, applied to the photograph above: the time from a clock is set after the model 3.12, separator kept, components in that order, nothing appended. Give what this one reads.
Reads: 10.07
